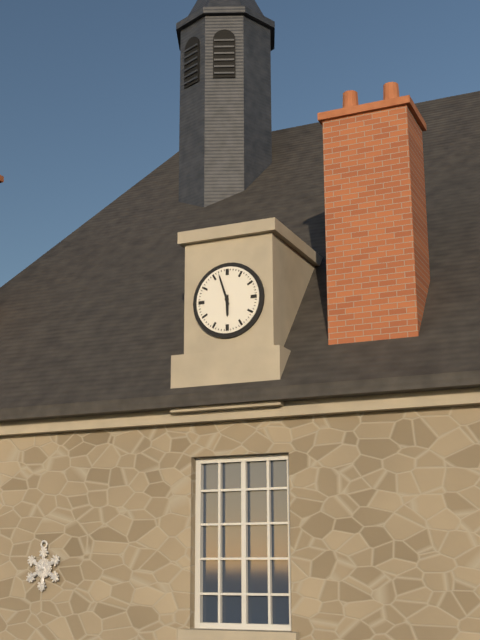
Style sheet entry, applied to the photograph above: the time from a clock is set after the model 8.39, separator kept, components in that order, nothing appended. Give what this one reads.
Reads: 5.57
